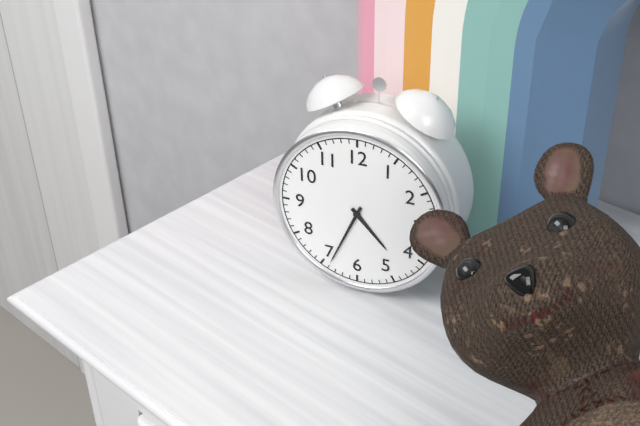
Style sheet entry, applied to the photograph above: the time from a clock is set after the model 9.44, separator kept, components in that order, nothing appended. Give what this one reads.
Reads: 4.34
